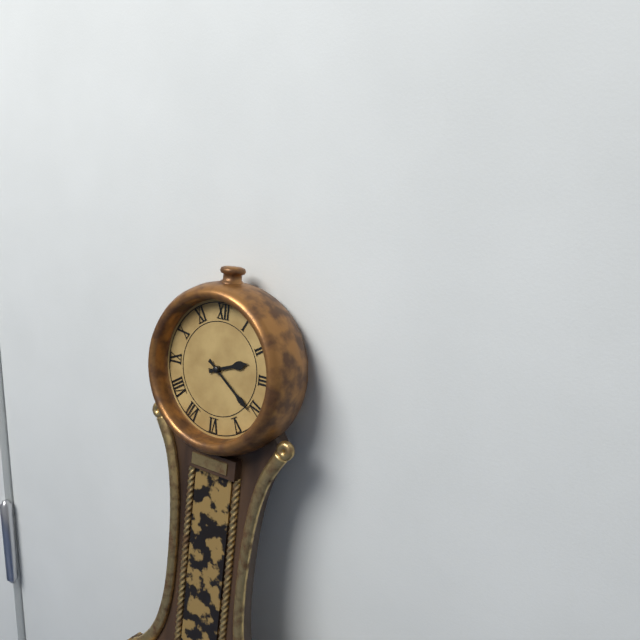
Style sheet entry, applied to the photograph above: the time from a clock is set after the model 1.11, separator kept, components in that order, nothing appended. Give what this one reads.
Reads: 2.21
